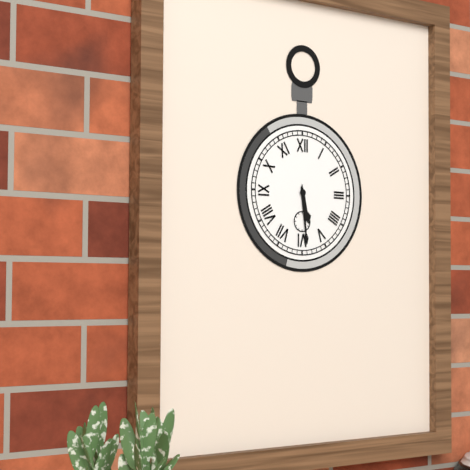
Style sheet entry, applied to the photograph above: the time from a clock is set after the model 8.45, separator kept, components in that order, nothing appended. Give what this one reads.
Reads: 5.29
